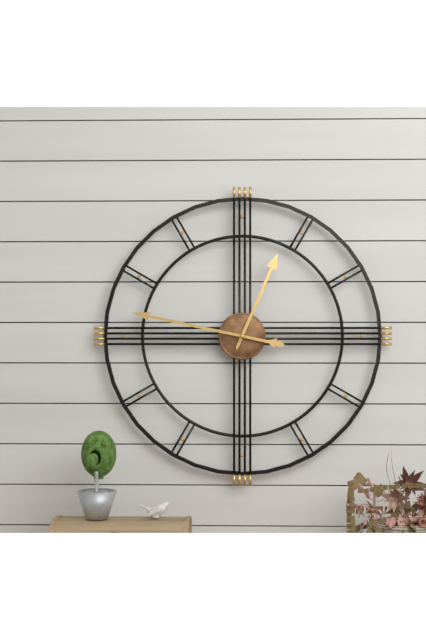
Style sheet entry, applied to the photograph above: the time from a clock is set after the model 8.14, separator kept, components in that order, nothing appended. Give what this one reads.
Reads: 12.47
